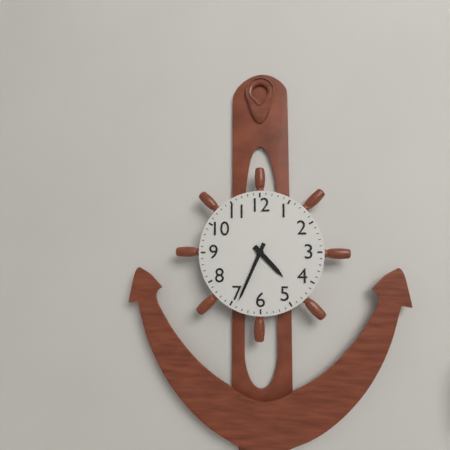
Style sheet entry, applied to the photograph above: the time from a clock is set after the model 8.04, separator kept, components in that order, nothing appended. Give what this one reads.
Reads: 4.34
